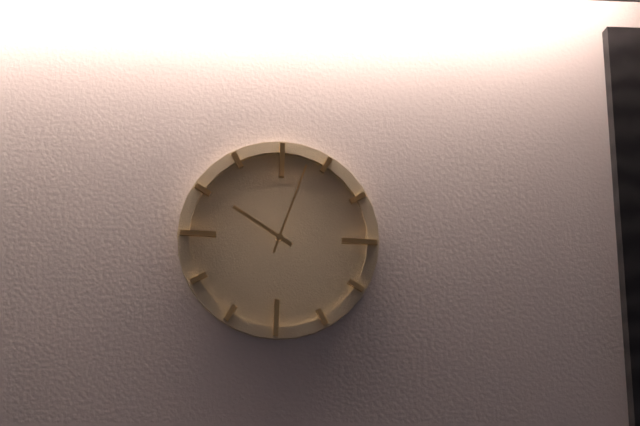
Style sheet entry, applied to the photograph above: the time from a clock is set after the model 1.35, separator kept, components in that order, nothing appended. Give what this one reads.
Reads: 10.03
